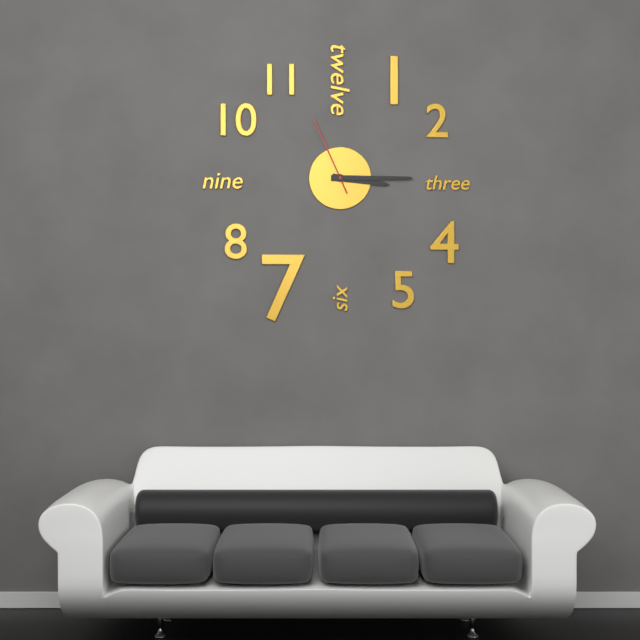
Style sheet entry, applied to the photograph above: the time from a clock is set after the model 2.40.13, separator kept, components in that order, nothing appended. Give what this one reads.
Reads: 3.15.56
